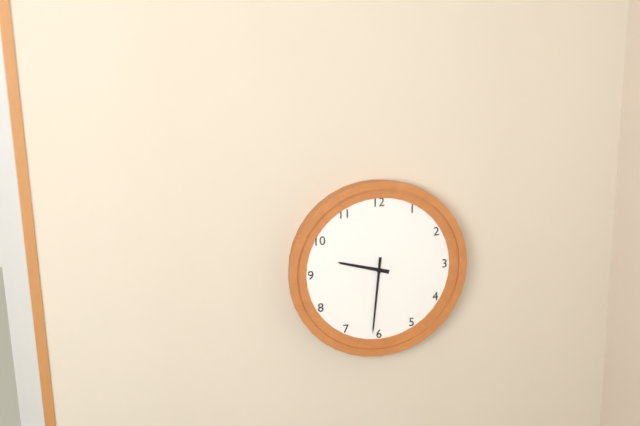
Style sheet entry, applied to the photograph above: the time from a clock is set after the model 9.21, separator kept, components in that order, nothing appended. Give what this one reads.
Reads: 9.31
